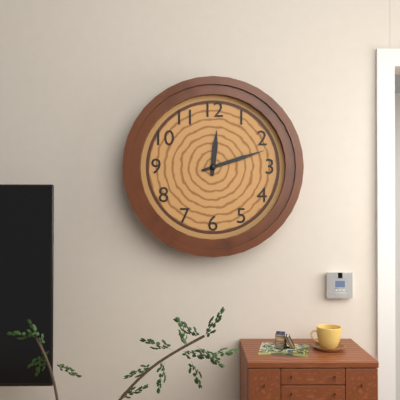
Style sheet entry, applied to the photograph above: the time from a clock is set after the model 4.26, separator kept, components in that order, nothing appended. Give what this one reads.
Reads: 12.12
